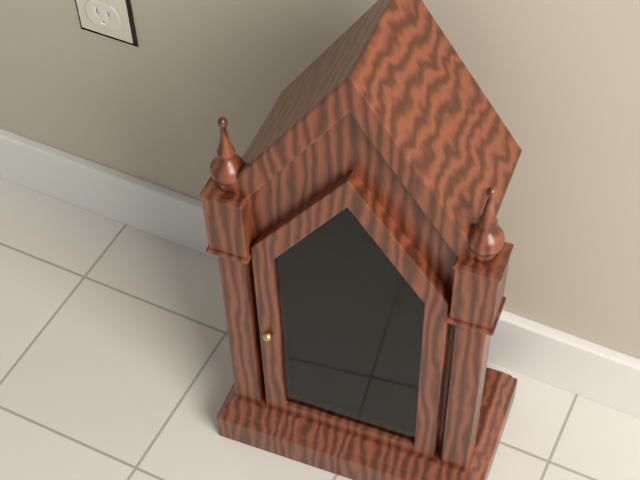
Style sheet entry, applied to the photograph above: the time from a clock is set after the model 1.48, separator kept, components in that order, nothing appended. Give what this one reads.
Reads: 10.25
